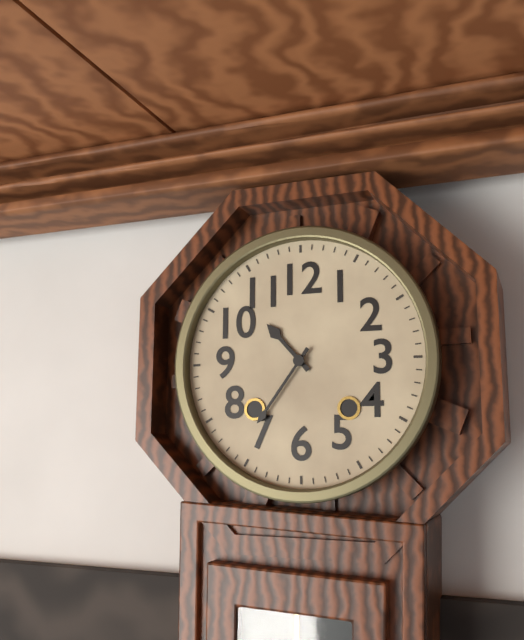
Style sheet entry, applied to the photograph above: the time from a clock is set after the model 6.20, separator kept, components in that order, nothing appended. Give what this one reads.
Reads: 10.36
